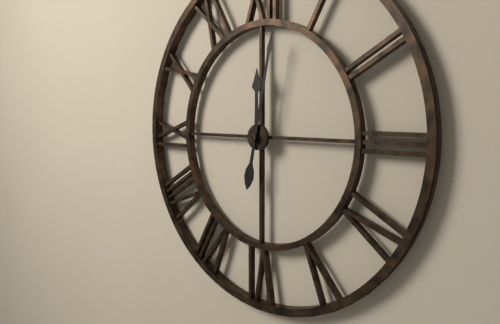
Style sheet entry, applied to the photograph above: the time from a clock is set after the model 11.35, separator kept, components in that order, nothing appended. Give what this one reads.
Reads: 12.02
